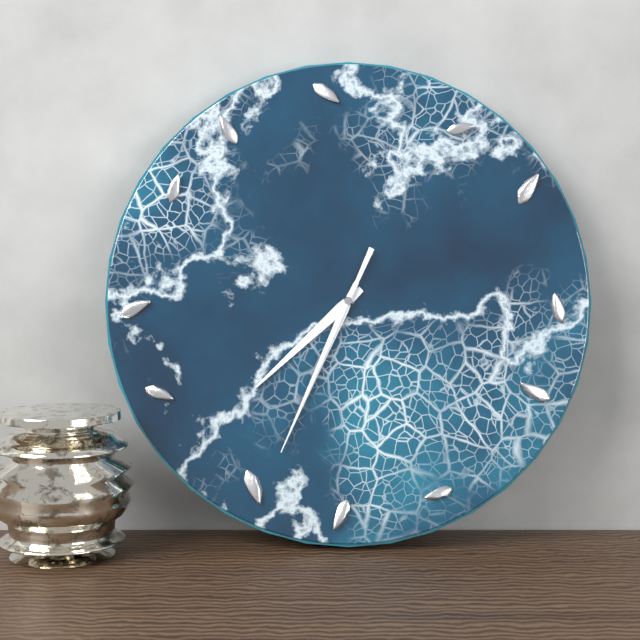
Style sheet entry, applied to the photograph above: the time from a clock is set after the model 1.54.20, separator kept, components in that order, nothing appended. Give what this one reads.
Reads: 7.34.34
